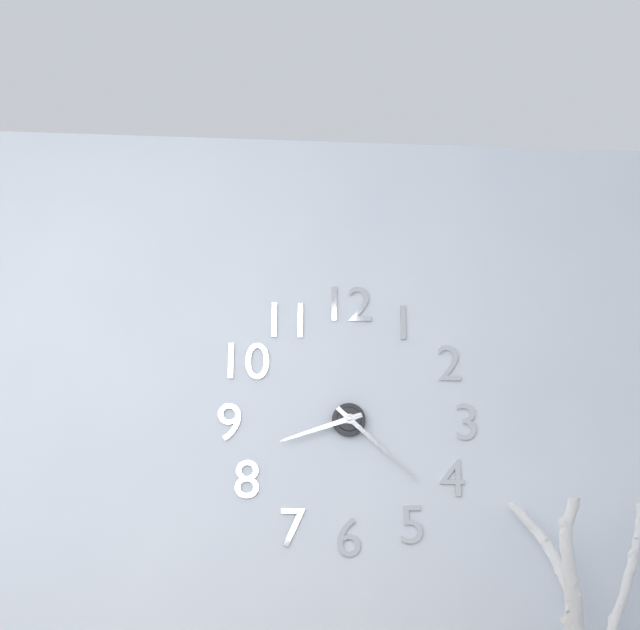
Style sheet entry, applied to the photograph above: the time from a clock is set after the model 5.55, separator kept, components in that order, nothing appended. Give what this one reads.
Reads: 8.22
